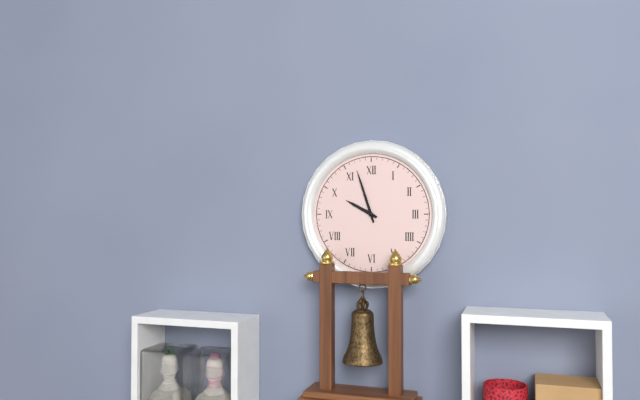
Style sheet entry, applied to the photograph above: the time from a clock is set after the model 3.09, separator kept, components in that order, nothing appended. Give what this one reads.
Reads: 9.57
